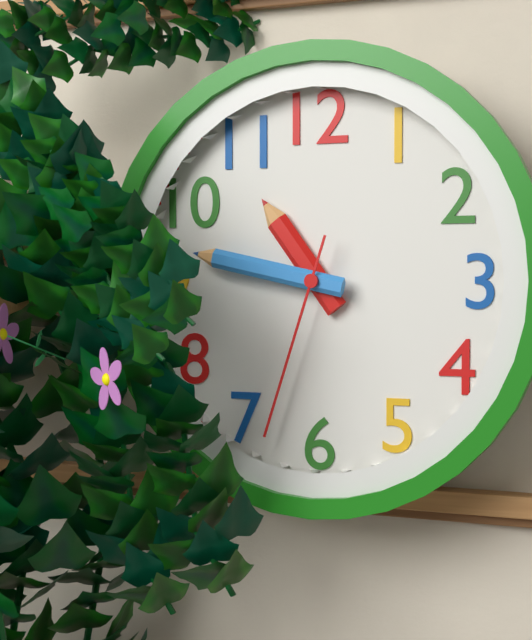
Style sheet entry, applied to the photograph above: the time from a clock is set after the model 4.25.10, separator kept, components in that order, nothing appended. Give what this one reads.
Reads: 10.47.33
